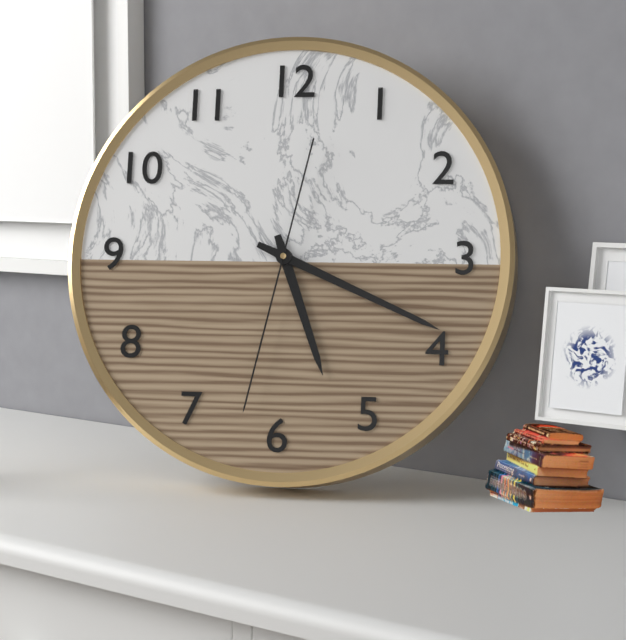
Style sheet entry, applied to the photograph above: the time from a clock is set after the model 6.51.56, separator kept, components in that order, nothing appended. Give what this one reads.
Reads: 5.19.32
